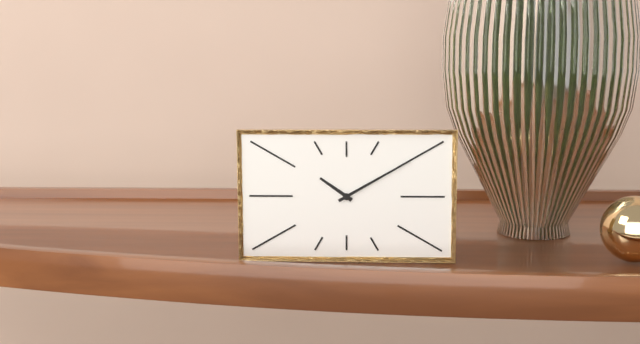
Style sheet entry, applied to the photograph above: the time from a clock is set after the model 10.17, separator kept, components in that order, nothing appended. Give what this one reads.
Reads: 10.10
